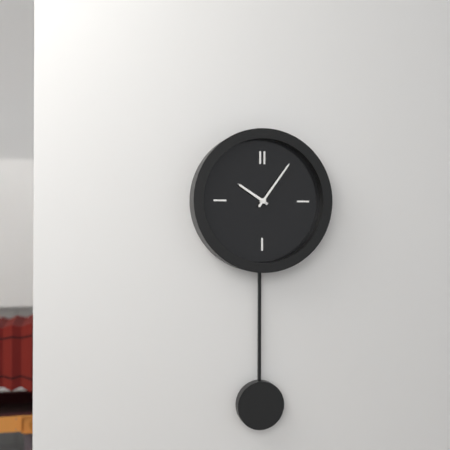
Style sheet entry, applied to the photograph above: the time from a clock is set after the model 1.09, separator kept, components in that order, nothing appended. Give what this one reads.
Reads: 10.06
